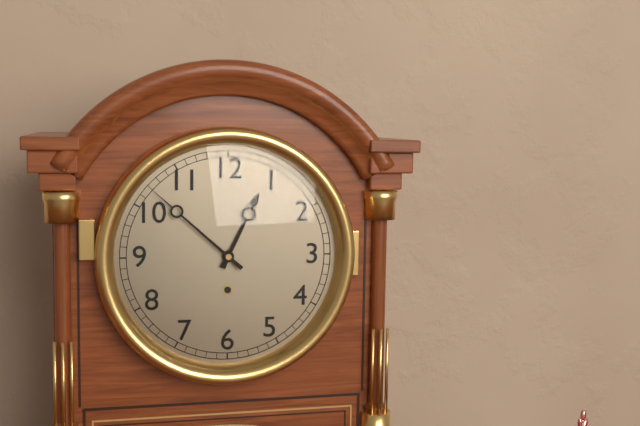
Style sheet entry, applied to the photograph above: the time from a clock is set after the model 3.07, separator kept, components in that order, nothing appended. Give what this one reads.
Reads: 12.52
